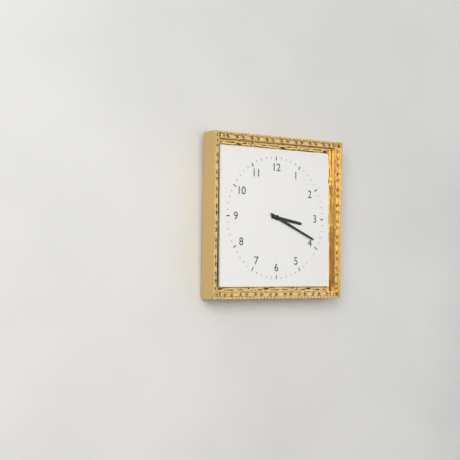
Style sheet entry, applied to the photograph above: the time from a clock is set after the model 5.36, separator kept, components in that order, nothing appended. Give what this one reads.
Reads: 3.19
